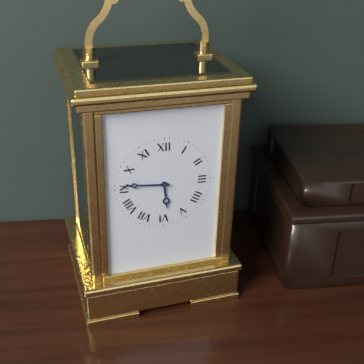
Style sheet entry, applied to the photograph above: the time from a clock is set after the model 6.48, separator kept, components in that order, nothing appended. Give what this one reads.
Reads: 5.46
